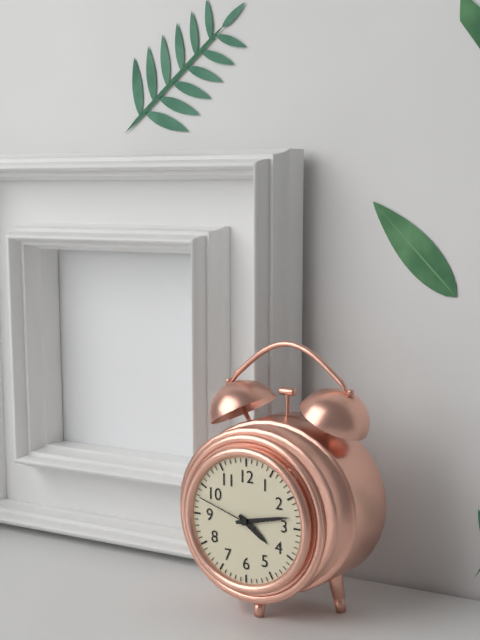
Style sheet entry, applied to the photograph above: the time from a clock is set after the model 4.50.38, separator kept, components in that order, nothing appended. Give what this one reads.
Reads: 4.13.48
